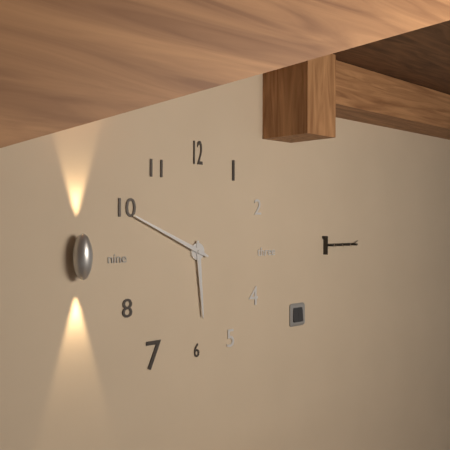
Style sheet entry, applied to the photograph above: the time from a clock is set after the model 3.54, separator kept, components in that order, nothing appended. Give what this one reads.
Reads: 5.49
